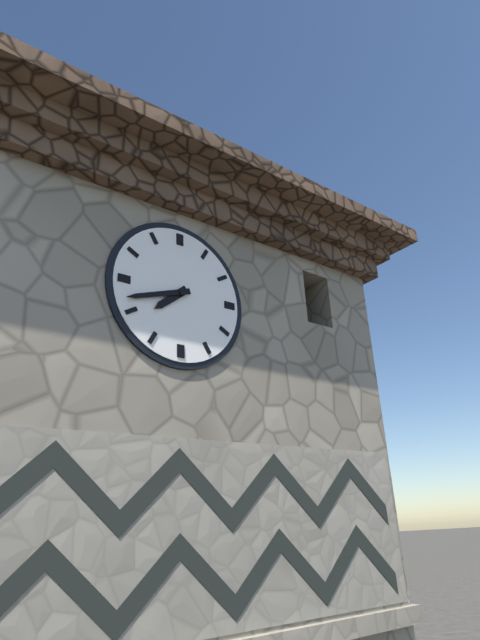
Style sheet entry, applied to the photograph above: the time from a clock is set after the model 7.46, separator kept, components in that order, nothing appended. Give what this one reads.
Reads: 7.42
